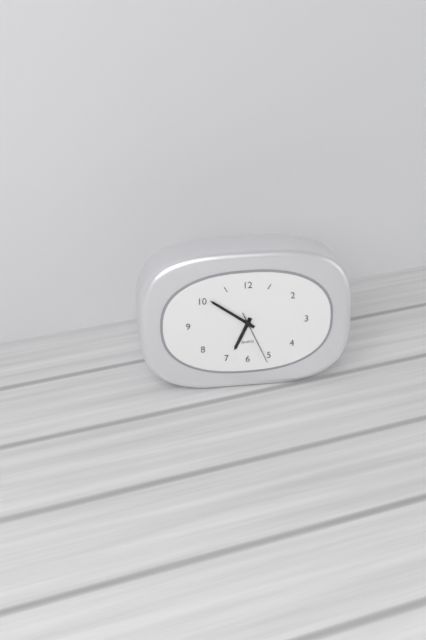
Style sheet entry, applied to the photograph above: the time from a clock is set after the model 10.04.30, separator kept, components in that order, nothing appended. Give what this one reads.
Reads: 6.51.26
